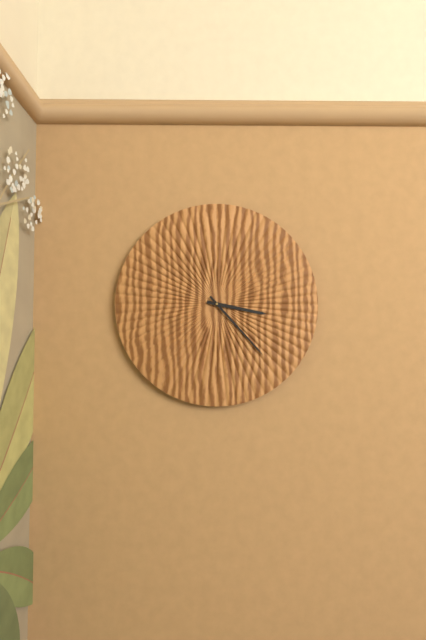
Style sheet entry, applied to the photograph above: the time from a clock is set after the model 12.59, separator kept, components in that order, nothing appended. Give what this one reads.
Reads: 3.23
